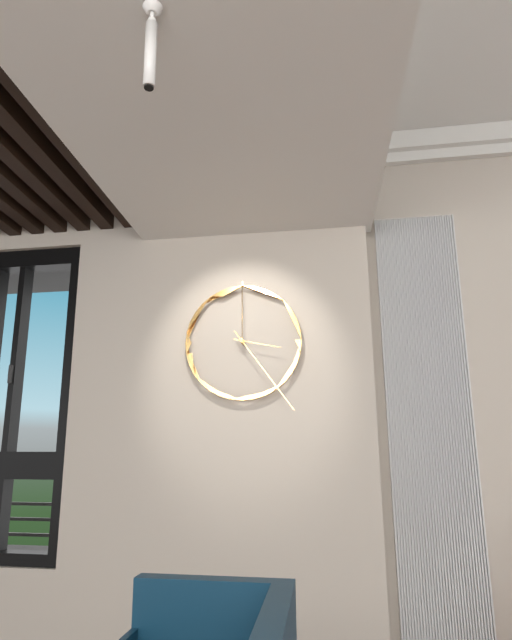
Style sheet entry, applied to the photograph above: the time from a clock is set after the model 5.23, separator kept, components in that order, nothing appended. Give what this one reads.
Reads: 3.24
